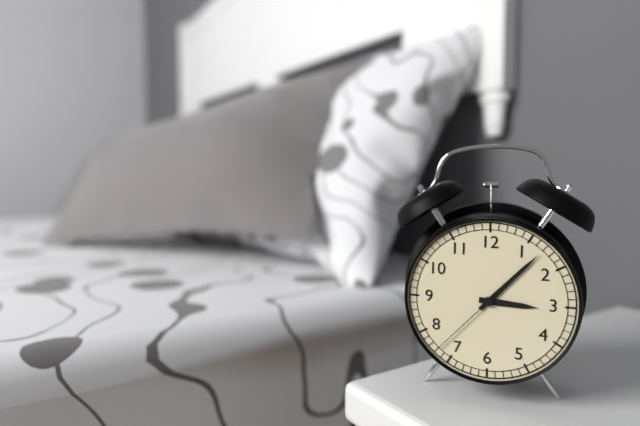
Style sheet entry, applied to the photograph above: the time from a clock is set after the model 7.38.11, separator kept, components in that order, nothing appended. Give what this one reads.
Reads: 3.07.37
